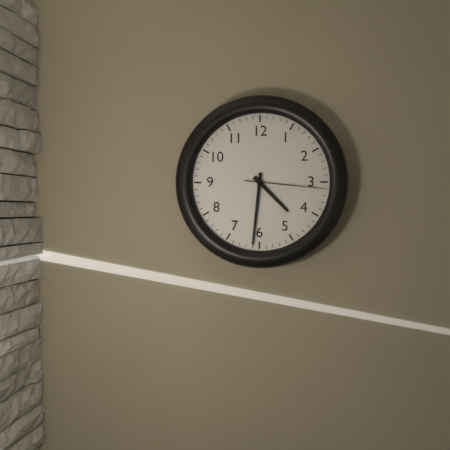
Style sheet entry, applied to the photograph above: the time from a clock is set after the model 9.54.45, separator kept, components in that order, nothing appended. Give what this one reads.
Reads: 4.31.16
